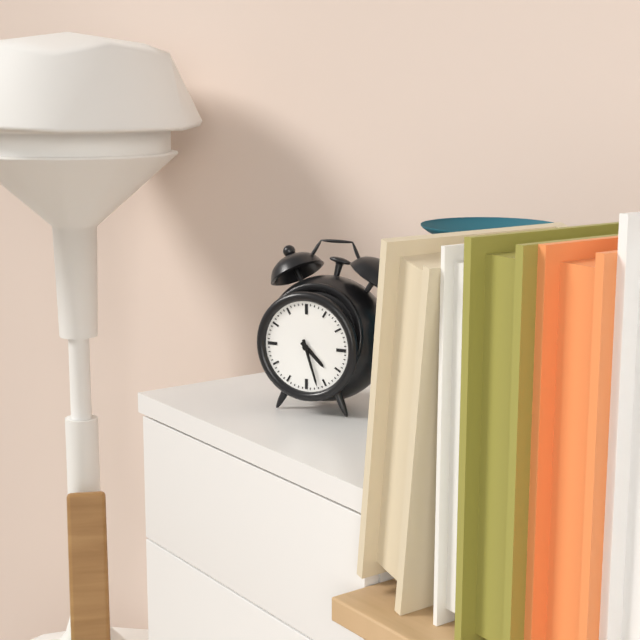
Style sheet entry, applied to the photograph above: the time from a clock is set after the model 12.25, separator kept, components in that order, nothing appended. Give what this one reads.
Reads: 4.27
